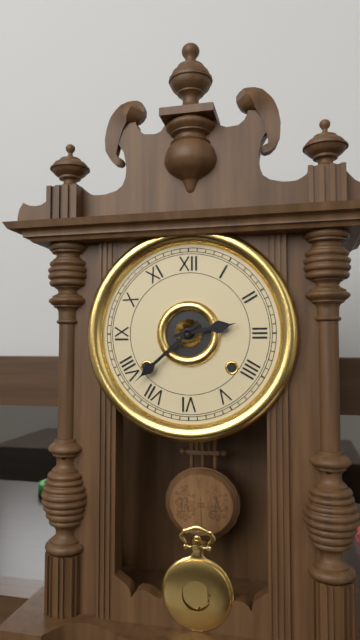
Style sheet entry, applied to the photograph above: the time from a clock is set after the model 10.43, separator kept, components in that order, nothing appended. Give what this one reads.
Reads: 2.38
